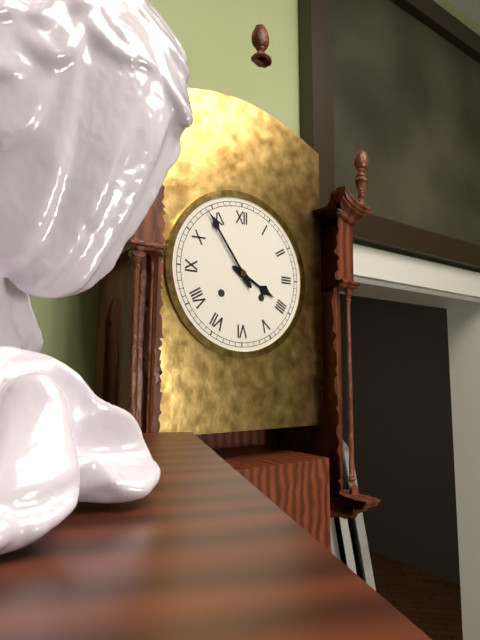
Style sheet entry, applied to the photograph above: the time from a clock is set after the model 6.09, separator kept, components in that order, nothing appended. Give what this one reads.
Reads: 3.54
